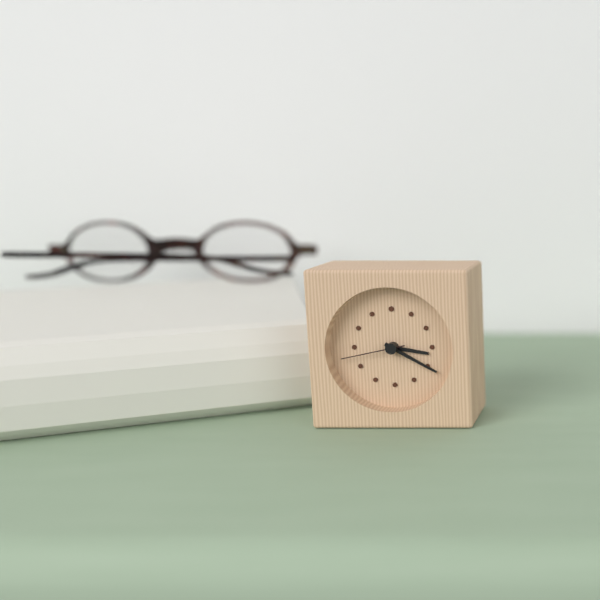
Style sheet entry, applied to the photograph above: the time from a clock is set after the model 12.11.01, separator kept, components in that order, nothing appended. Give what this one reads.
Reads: 3.20.43
